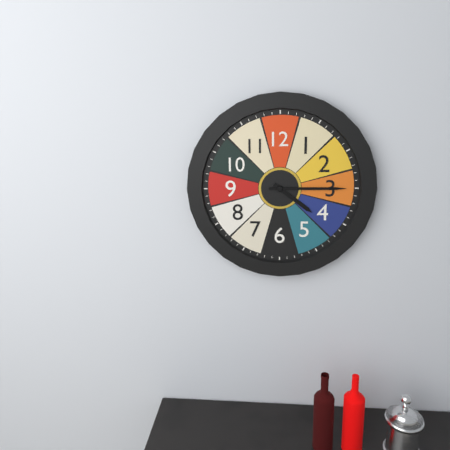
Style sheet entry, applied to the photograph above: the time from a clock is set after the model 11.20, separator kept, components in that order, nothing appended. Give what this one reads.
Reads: 4.15
